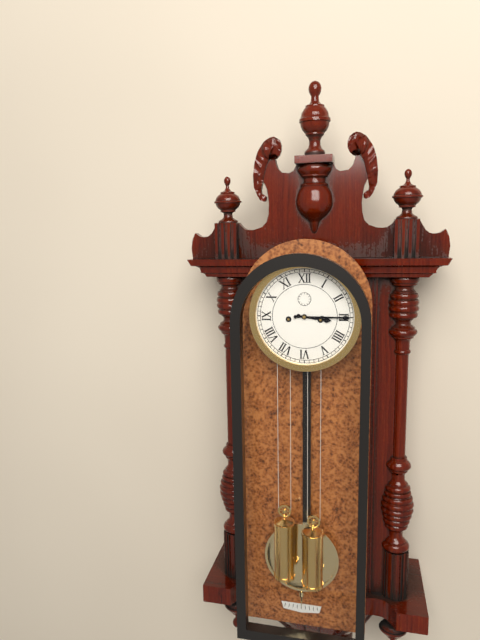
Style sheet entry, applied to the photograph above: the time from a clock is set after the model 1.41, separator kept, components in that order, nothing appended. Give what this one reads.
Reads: 3.15
